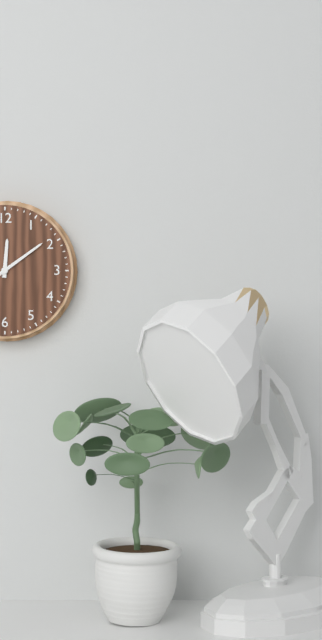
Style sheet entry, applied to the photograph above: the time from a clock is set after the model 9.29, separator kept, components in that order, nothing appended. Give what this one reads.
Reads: 12.09
